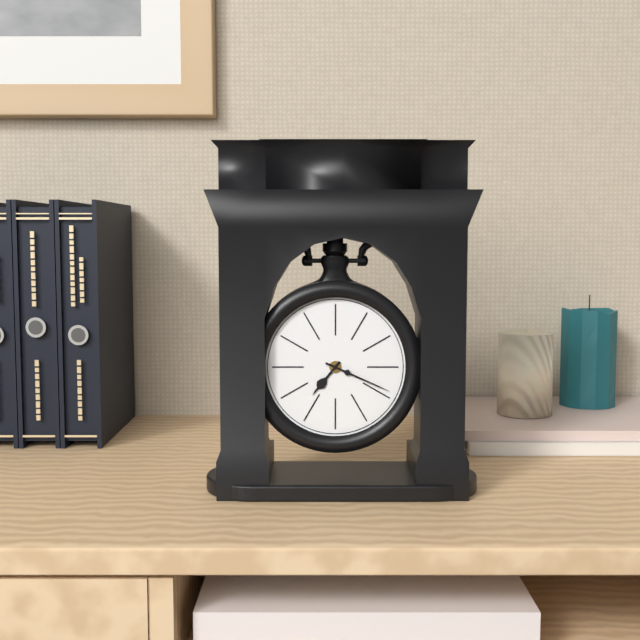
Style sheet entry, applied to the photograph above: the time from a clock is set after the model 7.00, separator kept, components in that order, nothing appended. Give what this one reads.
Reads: 7.19
